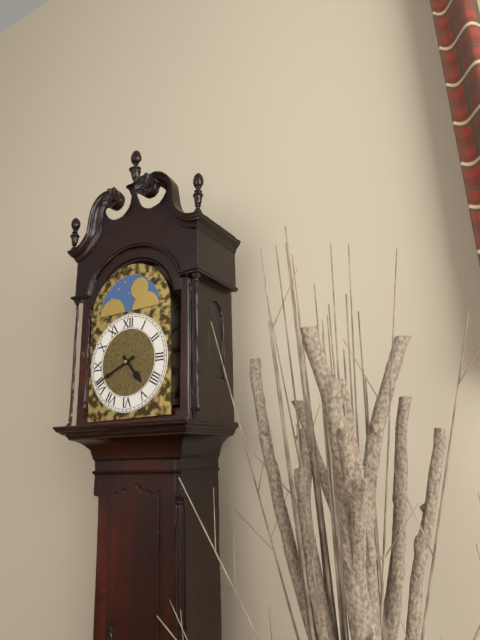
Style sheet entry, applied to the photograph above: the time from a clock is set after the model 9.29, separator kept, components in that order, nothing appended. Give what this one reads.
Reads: 4.41
